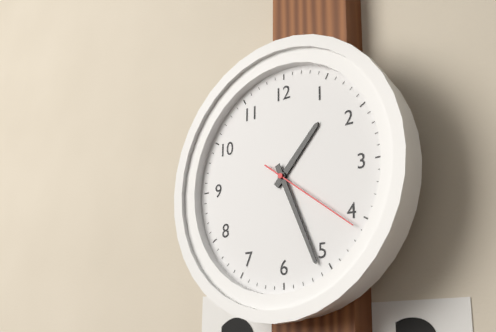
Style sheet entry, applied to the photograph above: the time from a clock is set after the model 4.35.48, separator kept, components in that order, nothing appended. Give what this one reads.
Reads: 1.26.21
